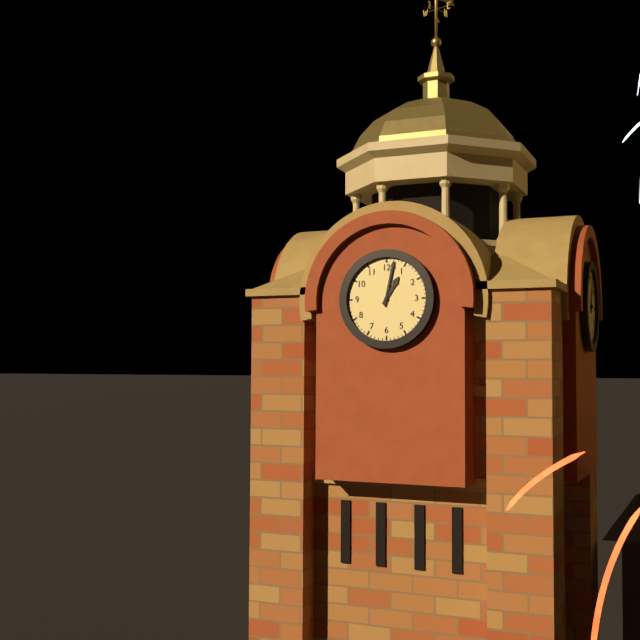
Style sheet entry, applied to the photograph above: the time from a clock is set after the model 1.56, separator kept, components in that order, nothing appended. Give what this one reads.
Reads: 1.02
